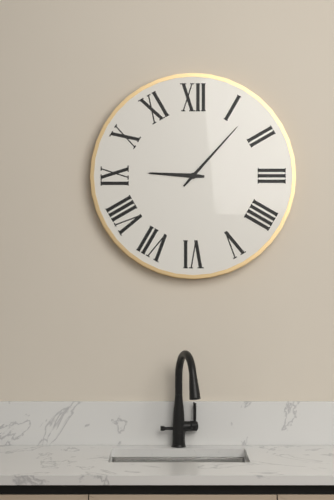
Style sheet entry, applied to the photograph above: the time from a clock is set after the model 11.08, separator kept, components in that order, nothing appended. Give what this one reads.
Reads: 9.07
